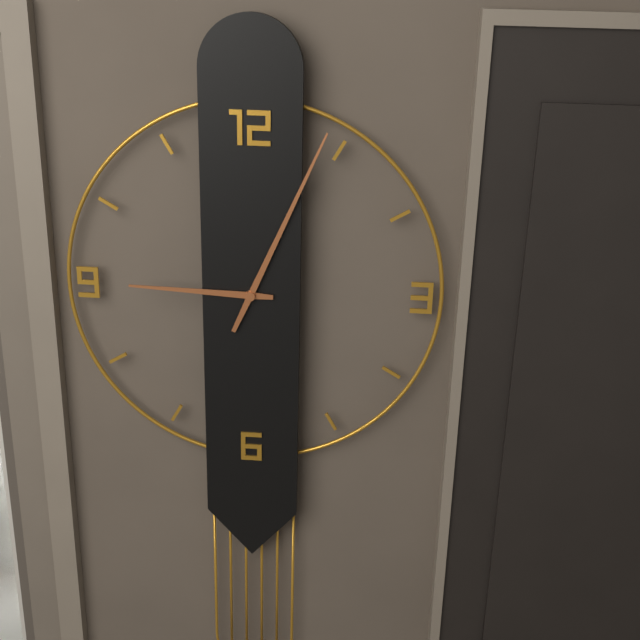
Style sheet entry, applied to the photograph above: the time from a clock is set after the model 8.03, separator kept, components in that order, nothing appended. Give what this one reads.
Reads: 9.04
